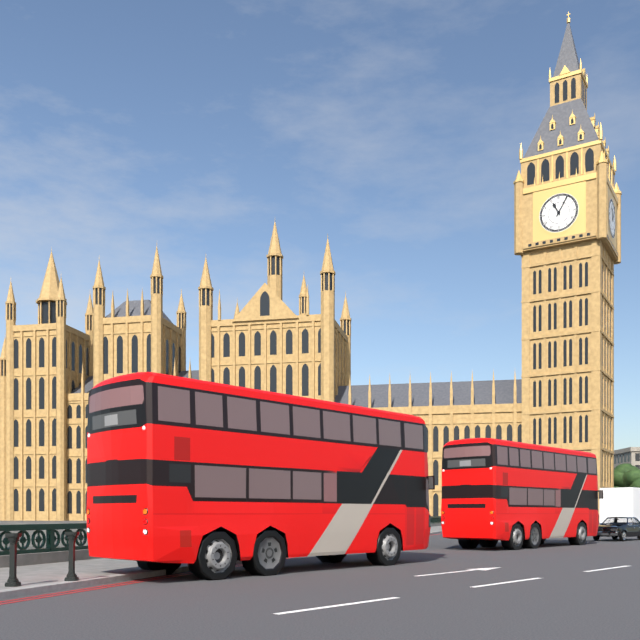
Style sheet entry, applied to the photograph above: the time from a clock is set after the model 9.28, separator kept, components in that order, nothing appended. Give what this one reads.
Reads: 11.05
